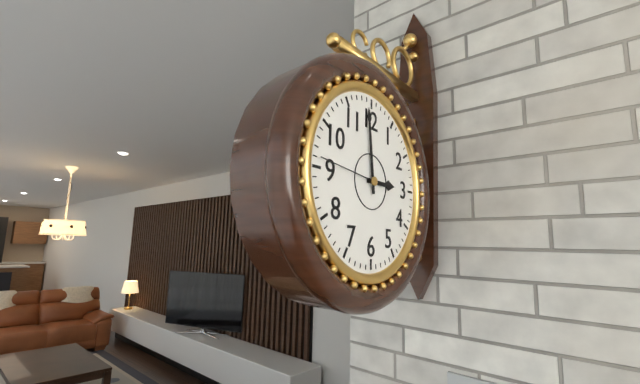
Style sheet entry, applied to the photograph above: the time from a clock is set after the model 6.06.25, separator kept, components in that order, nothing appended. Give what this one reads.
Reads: 2.59.46
